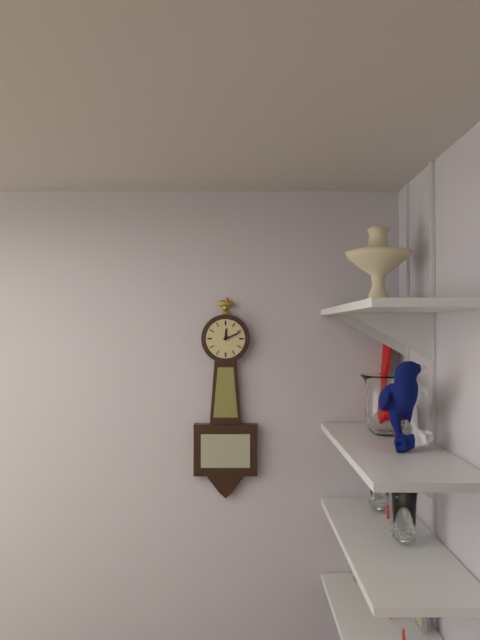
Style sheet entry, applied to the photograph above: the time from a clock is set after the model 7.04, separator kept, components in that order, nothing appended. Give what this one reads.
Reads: 12.11
